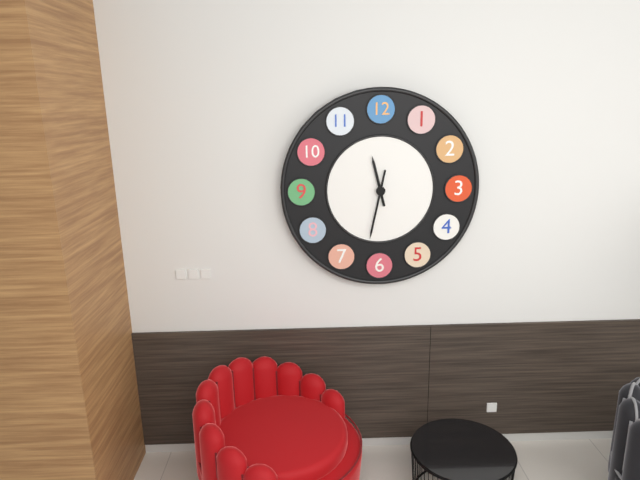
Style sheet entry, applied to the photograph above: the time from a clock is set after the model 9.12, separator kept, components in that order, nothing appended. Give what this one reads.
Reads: 11.32
